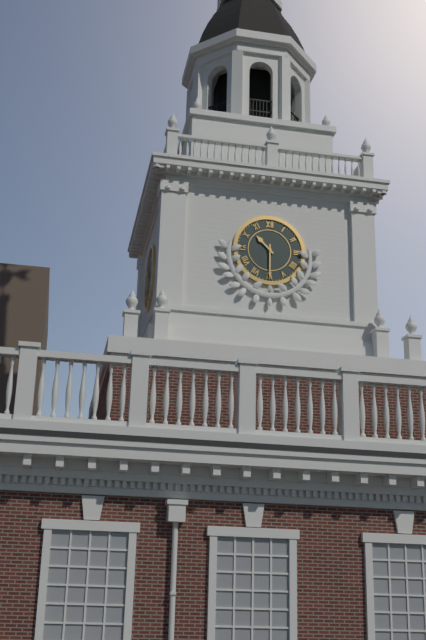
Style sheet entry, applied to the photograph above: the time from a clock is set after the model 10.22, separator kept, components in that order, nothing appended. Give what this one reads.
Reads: 10.30
